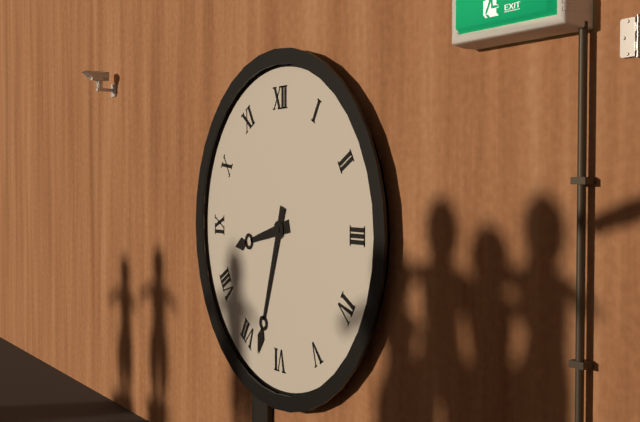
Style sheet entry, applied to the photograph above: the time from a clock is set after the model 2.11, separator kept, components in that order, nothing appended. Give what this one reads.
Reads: 8.33
